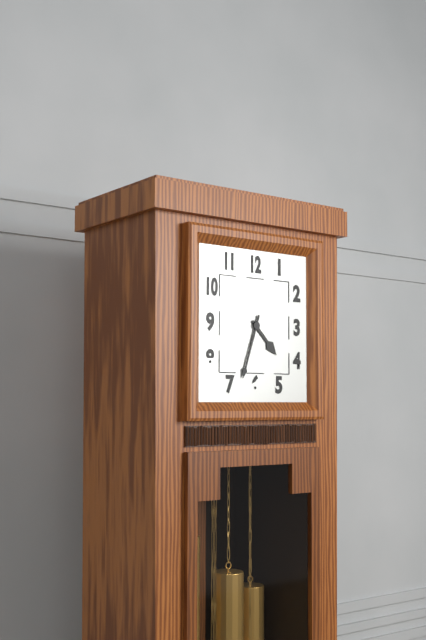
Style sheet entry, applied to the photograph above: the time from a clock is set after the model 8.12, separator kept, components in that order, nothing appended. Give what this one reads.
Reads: 4.33
